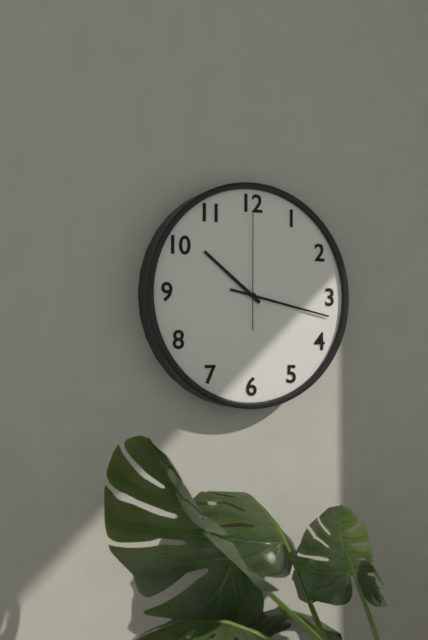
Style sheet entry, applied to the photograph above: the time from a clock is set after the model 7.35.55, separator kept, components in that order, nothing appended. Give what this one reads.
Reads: 10.17.00
